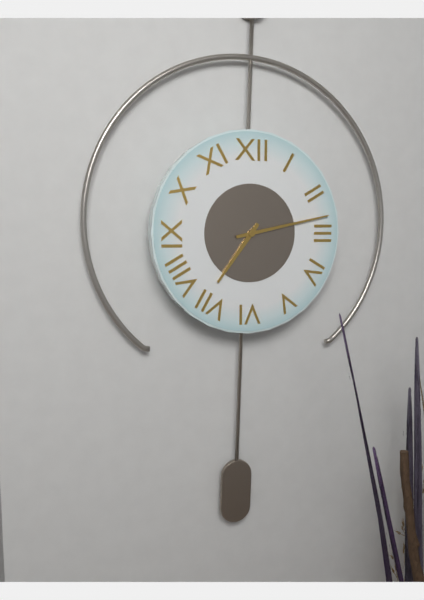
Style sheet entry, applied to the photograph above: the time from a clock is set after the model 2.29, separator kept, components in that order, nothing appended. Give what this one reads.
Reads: 7.13
